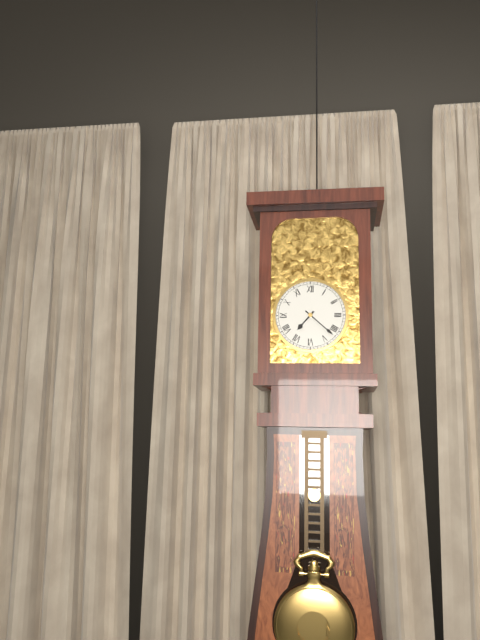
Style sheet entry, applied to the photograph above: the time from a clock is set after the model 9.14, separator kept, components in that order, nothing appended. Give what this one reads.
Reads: 7.22
